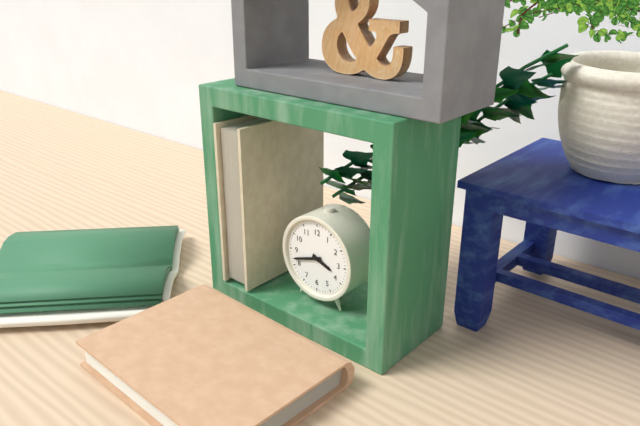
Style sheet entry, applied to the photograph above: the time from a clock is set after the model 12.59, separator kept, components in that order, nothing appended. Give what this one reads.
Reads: 3.42
